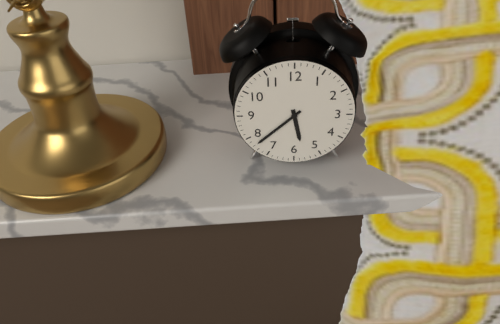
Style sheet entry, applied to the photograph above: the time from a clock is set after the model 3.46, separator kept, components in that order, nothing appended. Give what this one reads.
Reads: 5.38
